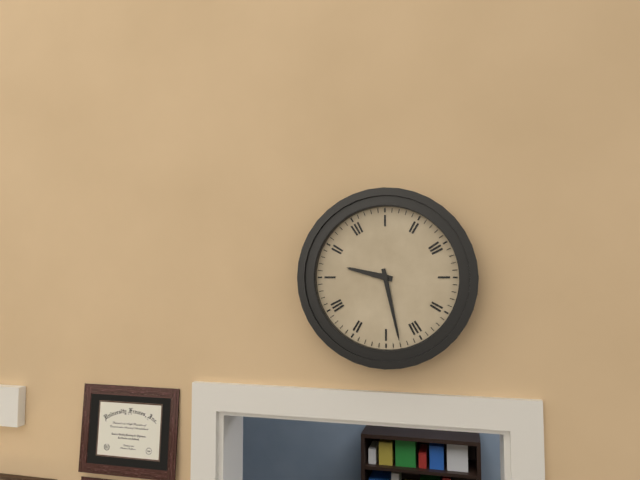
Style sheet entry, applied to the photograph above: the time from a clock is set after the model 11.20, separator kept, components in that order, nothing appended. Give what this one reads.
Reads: 9.28
